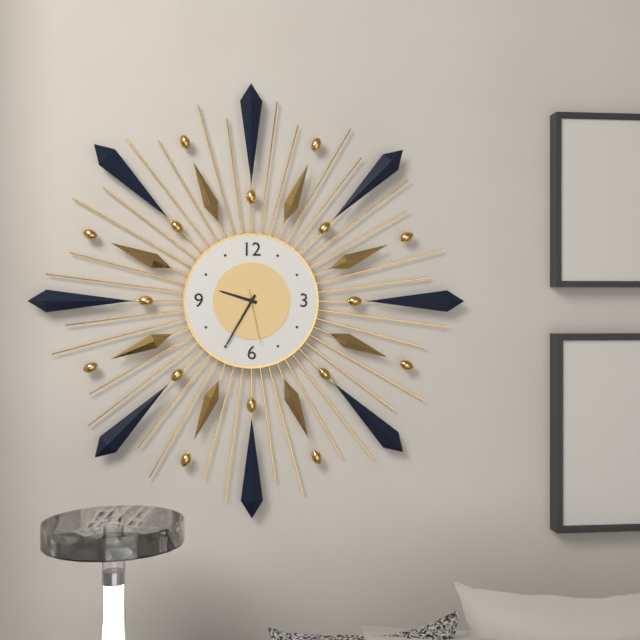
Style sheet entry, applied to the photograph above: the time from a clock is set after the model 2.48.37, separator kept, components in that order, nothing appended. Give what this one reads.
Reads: 9.35.28
